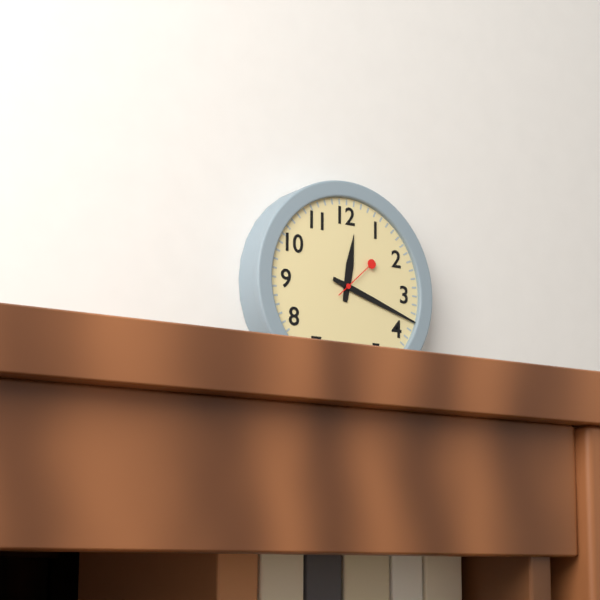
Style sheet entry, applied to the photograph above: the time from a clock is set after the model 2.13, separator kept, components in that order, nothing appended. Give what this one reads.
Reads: 12.18
